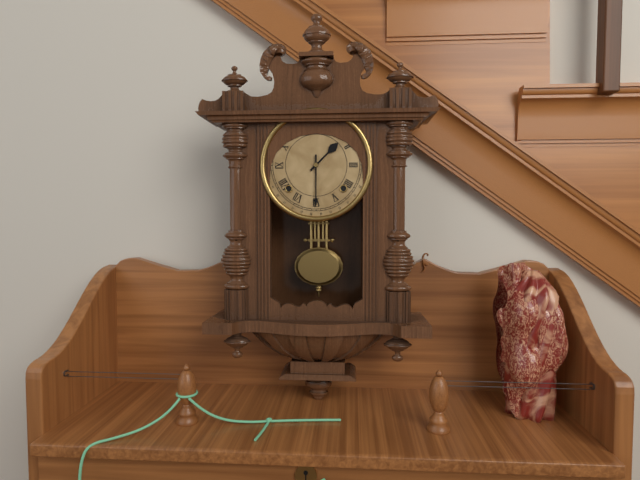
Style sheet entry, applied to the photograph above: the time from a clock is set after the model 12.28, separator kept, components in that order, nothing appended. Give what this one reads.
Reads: 1.30
